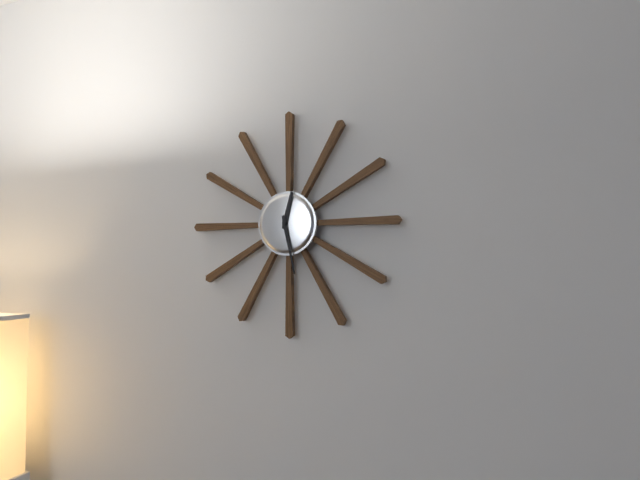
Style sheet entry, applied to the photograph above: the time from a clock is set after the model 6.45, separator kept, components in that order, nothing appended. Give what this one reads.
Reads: 12.28
